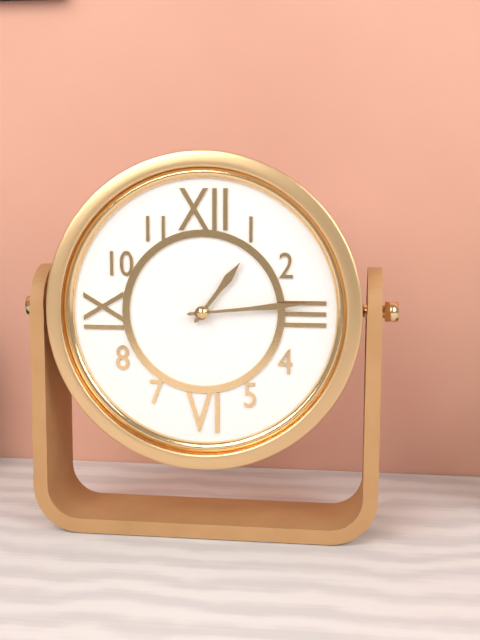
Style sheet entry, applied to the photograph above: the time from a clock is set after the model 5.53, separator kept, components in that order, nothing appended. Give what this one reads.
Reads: 1.14
